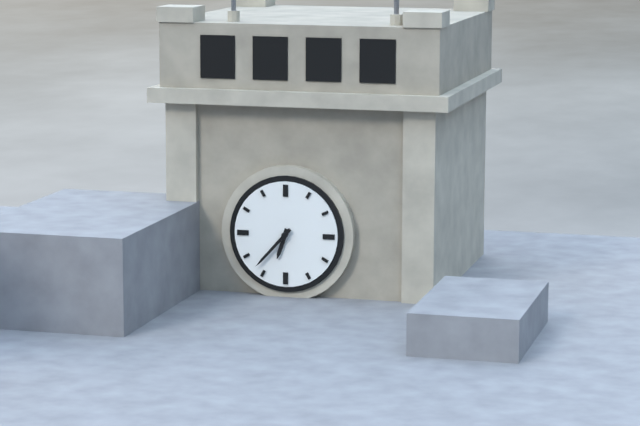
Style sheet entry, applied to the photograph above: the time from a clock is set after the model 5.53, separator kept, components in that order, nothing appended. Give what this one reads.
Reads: 6.37
